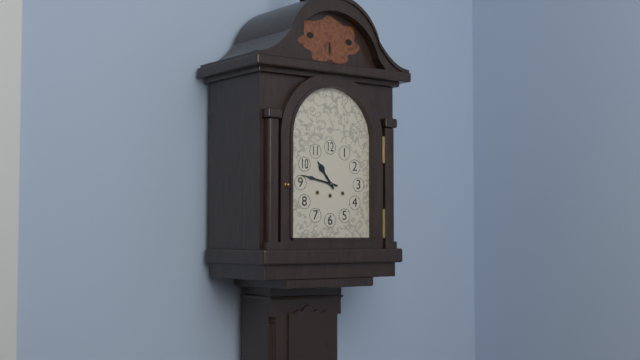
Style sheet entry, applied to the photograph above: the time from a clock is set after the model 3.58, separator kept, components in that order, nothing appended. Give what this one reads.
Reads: 10.47
